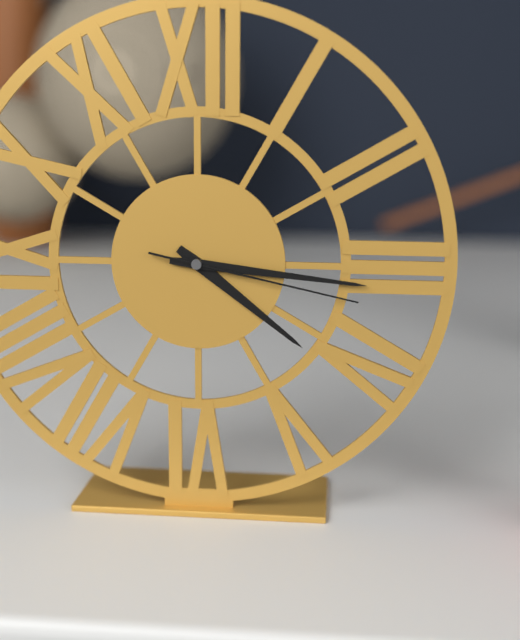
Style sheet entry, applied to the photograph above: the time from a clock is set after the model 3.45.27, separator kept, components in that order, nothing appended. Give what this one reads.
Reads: 4.16.17
